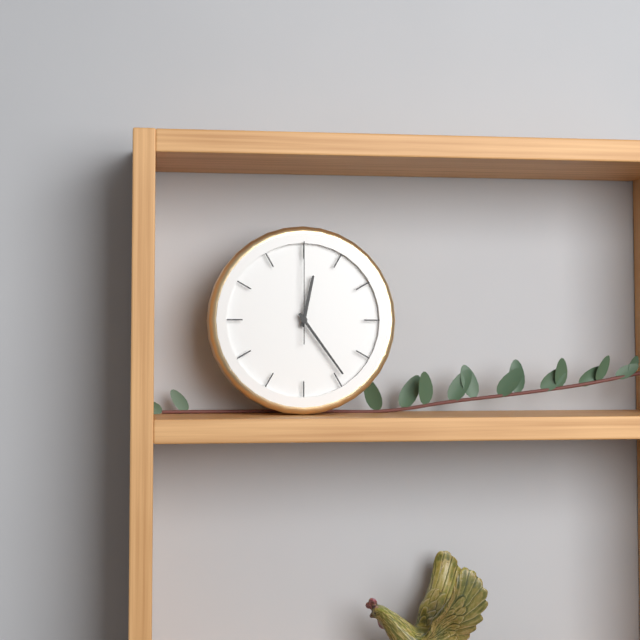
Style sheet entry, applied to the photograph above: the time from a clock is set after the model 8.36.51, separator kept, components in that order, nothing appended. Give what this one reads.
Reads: 12.24.00
